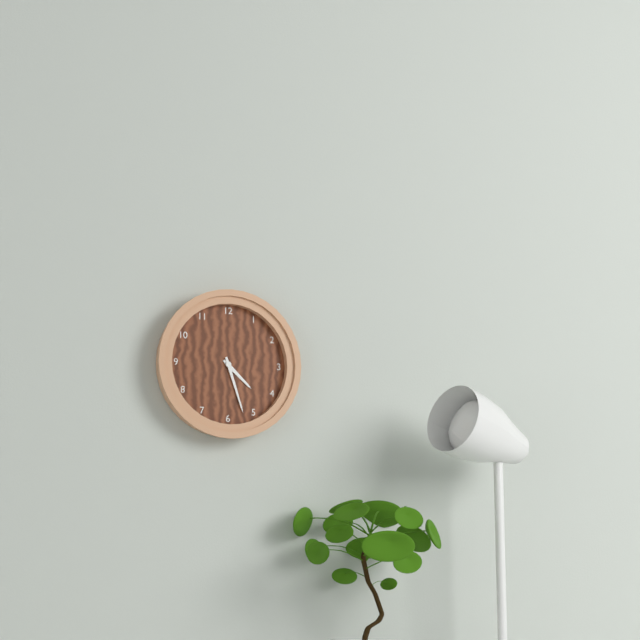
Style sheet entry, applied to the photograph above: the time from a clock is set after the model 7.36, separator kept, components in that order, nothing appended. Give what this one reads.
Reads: 4.27
